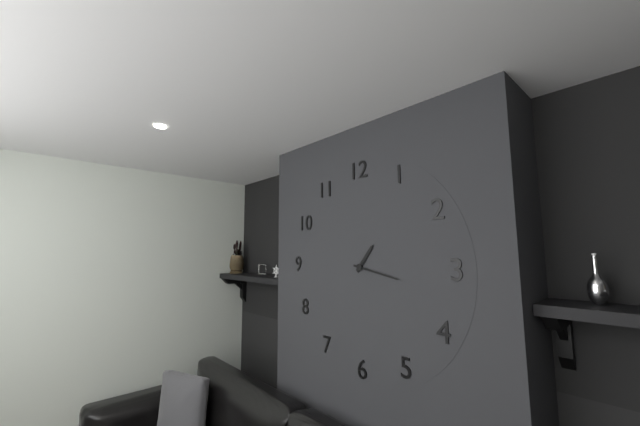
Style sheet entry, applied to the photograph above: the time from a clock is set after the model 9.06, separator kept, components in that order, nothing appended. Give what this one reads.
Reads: 1.17
